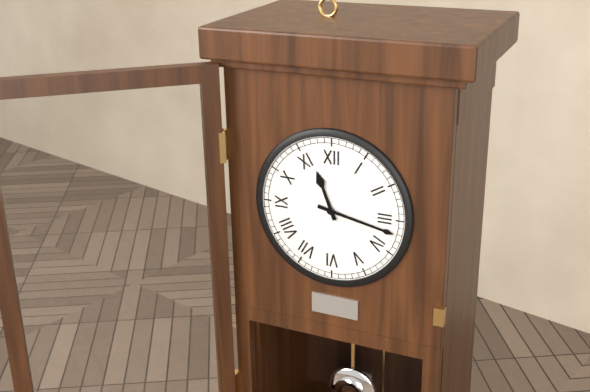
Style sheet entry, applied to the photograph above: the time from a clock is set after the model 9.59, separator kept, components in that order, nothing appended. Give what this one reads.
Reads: 11.17
